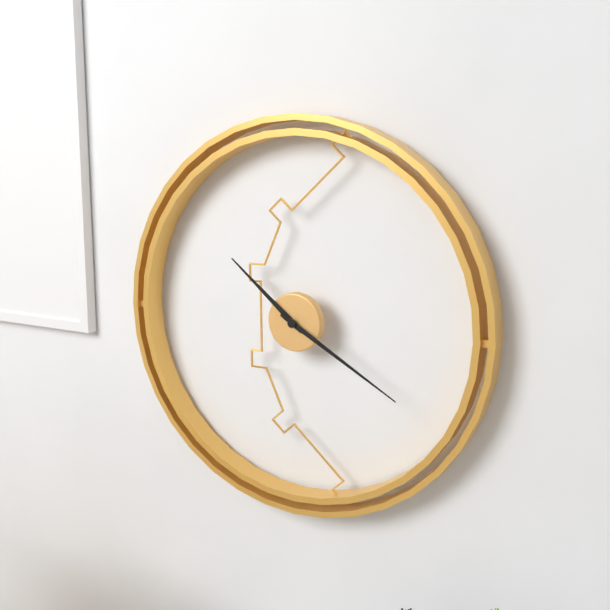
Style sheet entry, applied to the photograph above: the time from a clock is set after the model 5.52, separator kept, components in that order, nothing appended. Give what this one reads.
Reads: 10.20
